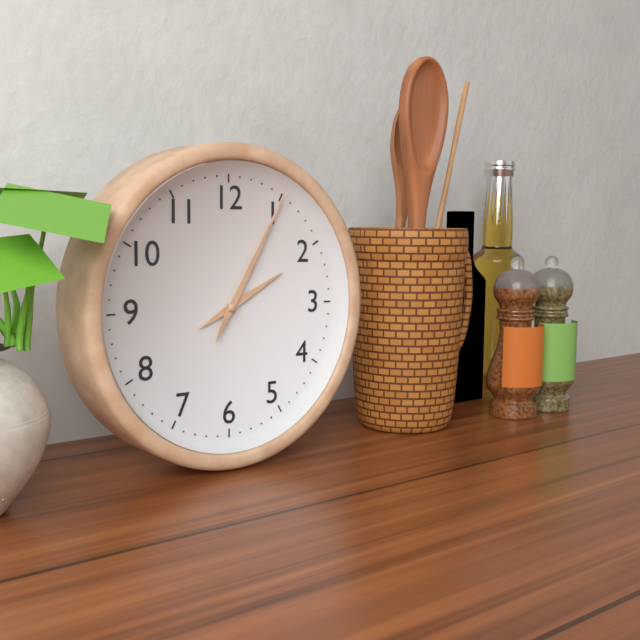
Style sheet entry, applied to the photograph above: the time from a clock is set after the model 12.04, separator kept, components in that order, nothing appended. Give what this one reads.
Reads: 2.05
